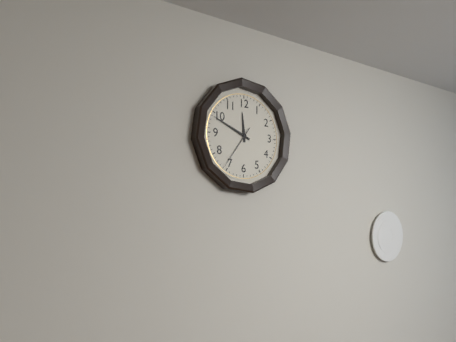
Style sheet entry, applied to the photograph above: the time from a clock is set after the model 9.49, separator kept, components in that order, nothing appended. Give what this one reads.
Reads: 11.49
